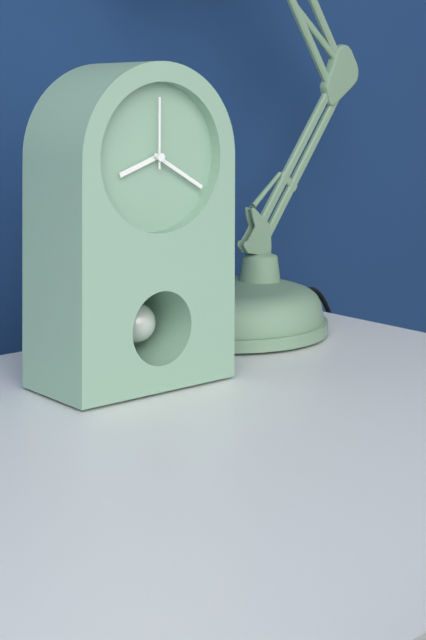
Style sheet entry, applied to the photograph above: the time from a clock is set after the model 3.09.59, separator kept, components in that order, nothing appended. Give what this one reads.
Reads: 8.20.00
